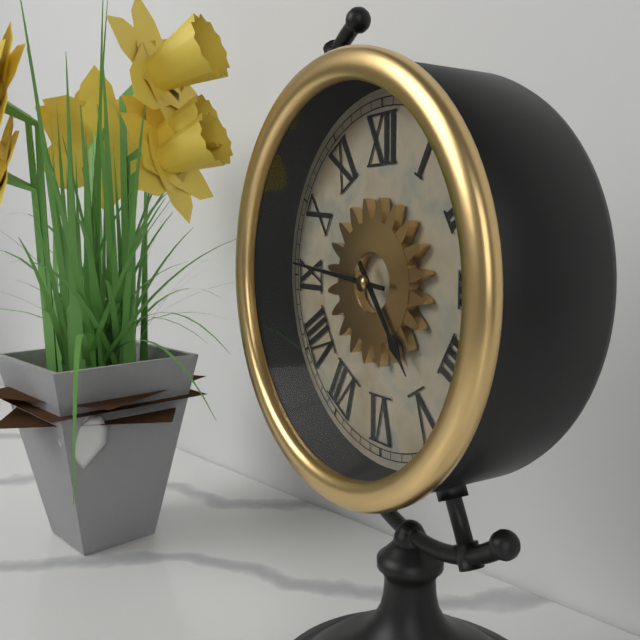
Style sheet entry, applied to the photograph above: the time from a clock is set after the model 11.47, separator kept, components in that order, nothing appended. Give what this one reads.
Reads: 4.46
